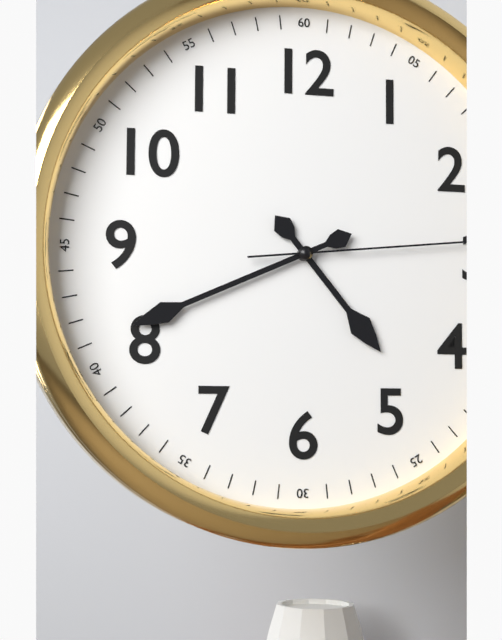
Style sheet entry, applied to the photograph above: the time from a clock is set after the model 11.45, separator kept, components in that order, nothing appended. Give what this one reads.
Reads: 4.41
